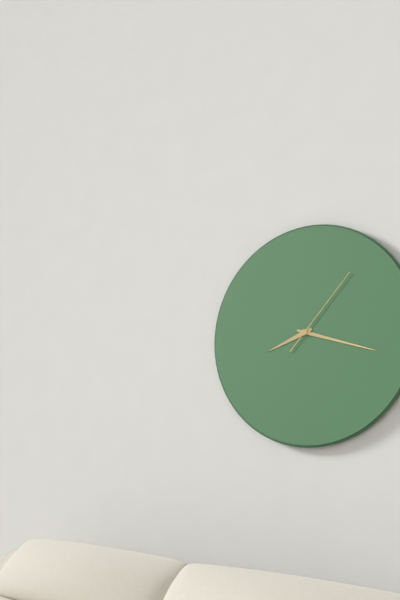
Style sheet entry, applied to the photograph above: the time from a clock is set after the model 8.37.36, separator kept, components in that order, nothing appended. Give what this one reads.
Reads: 8.18.07
